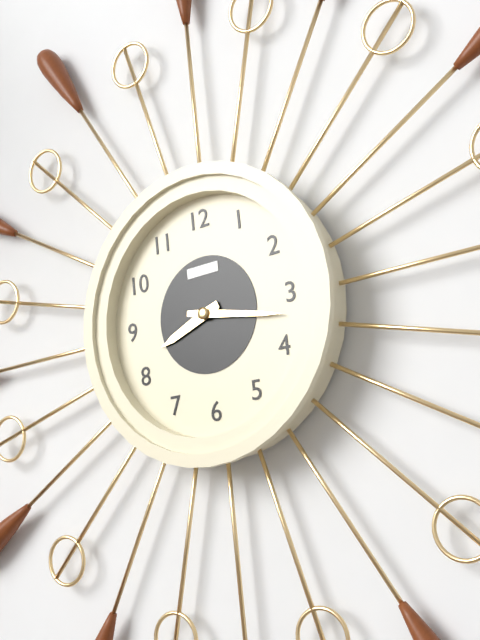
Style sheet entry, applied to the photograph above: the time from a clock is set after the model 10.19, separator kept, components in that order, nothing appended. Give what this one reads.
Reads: 8.17
